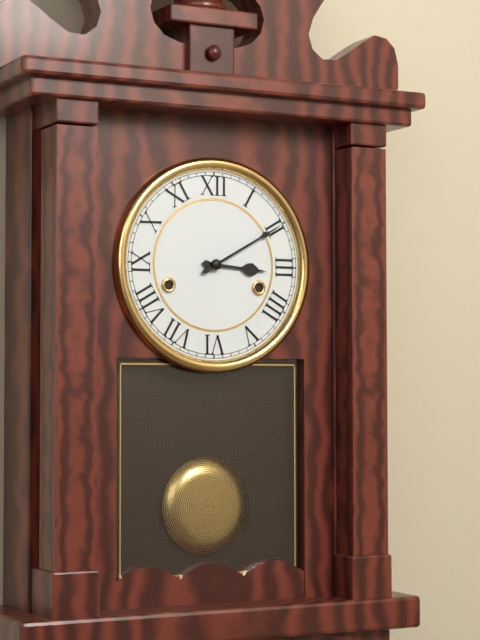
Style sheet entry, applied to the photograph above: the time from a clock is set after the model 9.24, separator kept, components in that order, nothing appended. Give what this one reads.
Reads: 3.10
